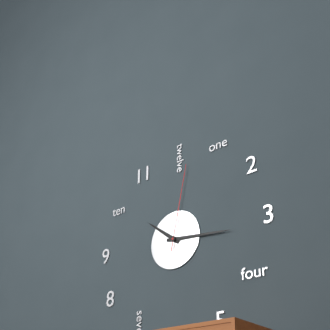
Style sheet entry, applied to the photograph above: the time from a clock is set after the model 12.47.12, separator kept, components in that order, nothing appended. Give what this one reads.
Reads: 10.16.02
